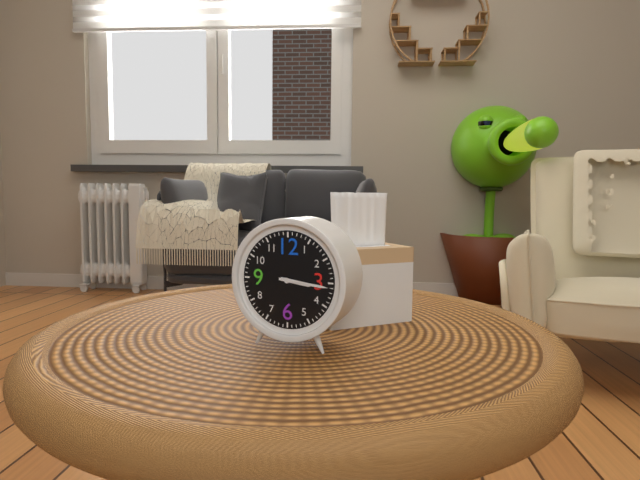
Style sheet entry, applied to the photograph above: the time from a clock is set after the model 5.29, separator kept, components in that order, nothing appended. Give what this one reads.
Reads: 3.16
